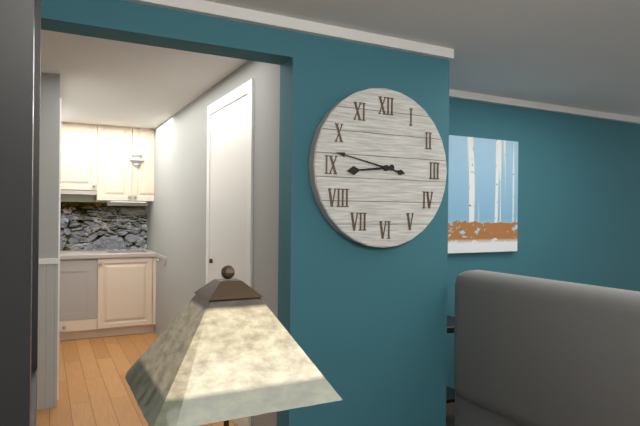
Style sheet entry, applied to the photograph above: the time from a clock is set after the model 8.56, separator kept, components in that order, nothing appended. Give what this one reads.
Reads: 8.47
